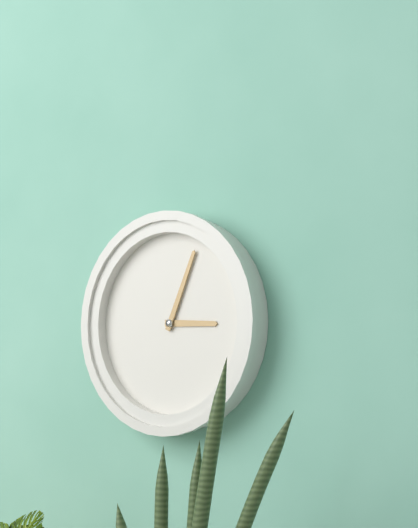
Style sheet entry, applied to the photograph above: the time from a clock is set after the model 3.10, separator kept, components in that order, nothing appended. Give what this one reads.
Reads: 3.04
